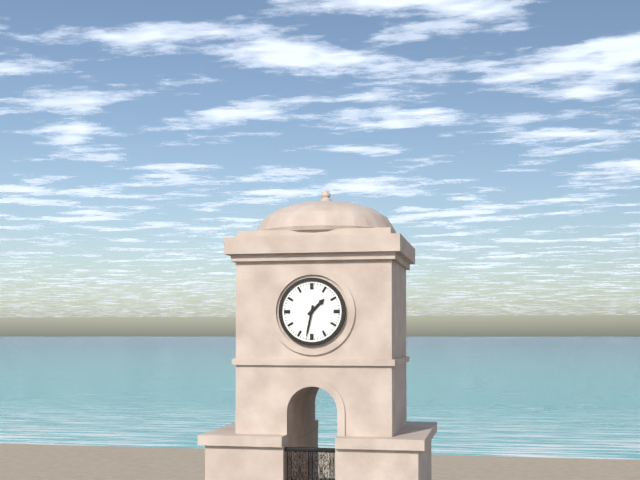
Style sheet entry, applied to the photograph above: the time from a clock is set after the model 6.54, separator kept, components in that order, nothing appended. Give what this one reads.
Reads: 1.32
